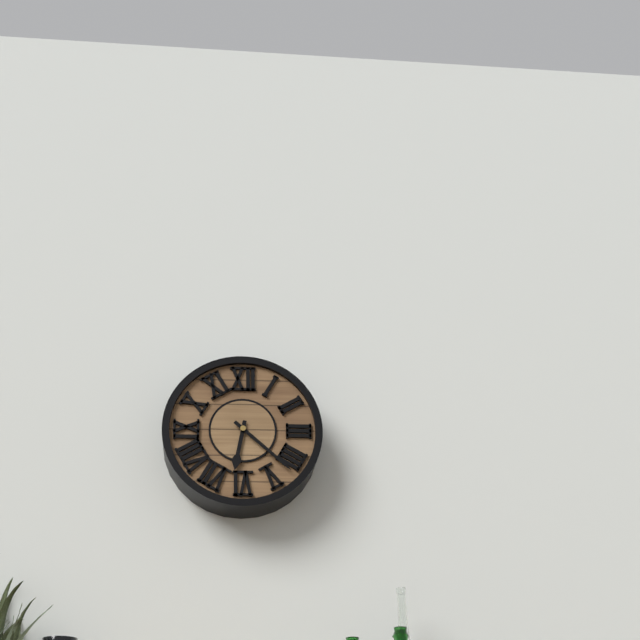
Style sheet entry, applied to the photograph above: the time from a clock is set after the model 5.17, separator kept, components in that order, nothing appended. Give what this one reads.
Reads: 6.22
